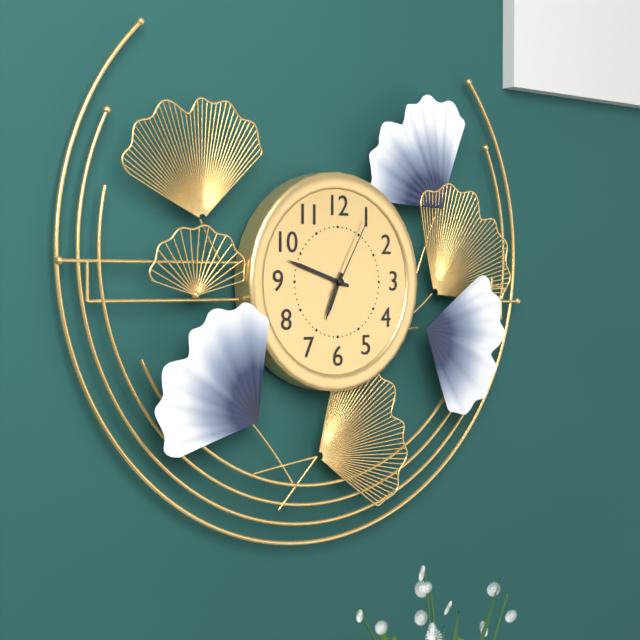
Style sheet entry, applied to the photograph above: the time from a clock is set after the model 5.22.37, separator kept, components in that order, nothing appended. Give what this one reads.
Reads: 6.48.05
